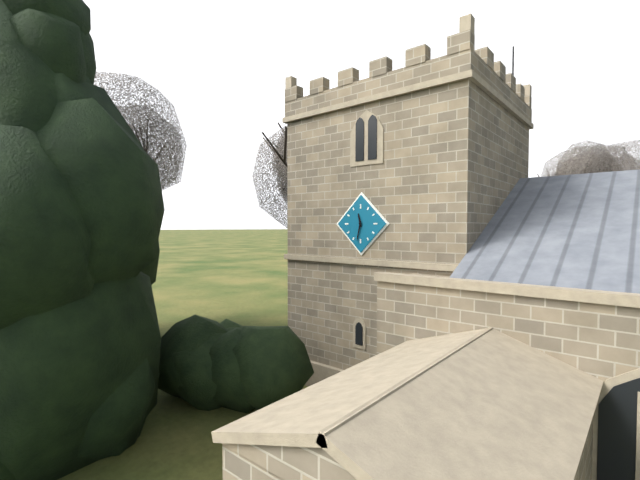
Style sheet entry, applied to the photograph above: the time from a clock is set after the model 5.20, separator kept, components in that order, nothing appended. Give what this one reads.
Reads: 11.32
